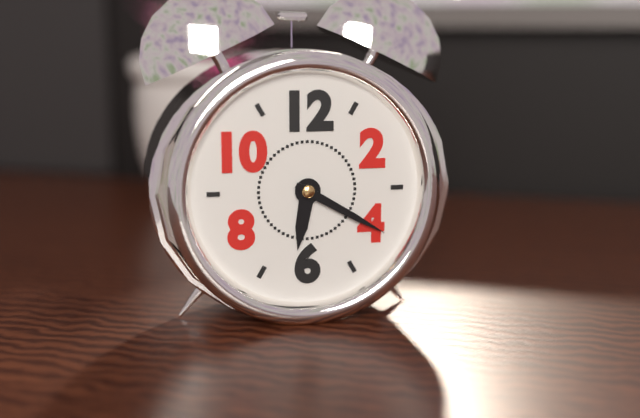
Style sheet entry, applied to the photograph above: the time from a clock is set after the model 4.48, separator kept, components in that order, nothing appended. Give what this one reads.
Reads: 6.20
